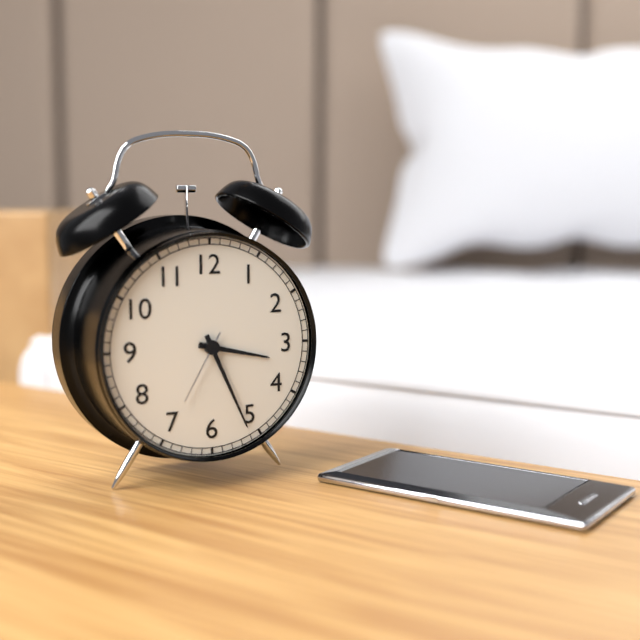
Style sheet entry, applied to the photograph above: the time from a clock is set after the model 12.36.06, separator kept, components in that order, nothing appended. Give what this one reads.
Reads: 3.26.35
